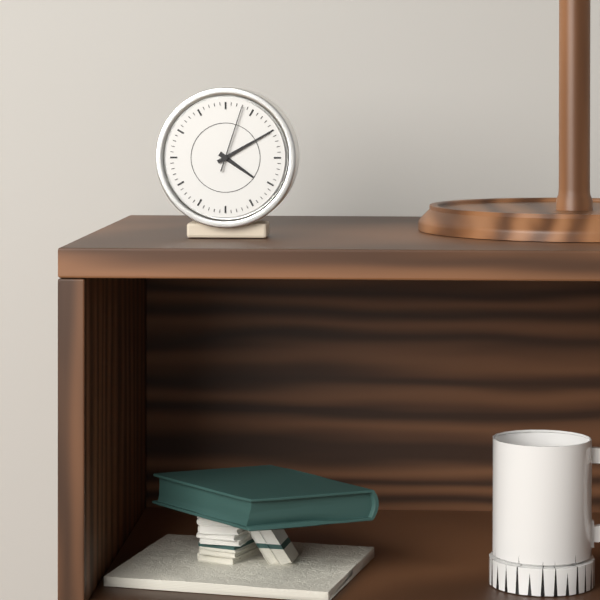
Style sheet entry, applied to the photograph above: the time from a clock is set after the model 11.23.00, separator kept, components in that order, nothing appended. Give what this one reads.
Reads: 4.10.03
